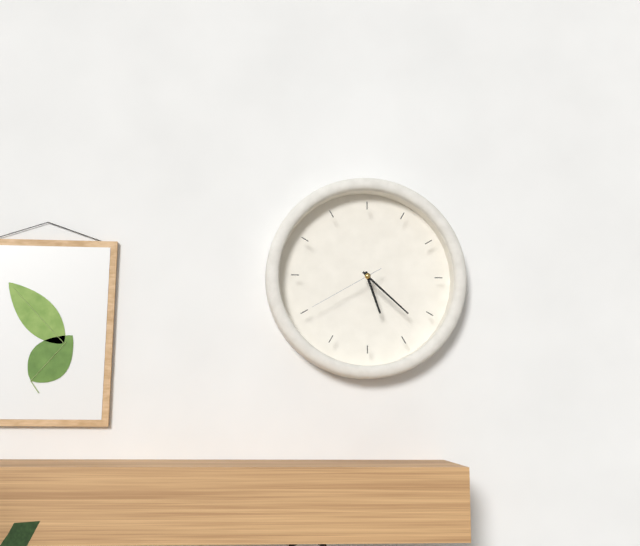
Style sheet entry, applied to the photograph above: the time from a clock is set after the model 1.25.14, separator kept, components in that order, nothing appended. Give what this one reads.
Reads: 5.22.40
